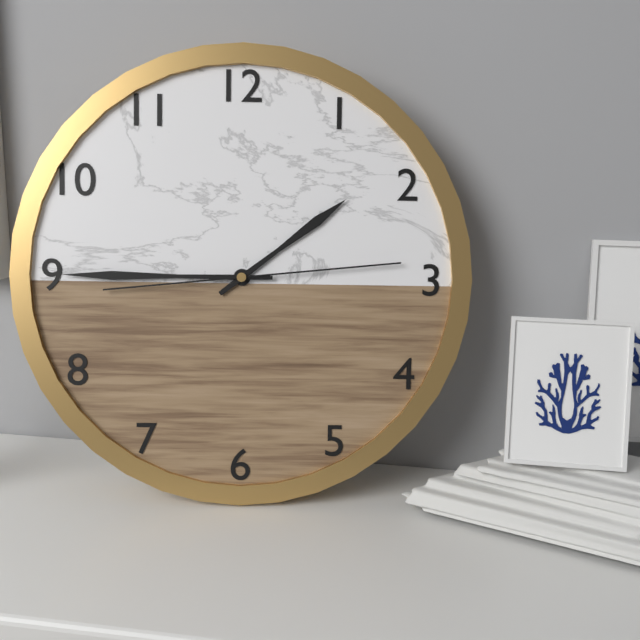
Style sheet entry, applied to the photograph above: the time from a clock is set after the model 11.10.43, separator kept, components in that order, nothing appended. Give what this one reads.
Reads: 1.45.14
